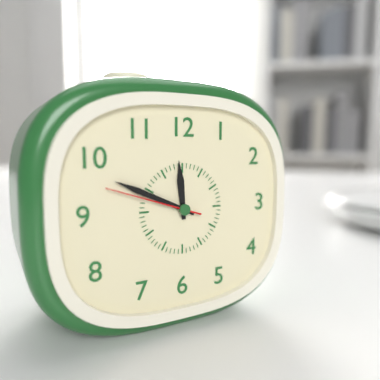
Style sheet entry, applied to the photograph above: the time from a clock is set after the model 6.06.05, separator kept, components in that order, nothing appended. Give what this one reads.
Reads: 11.49.48
